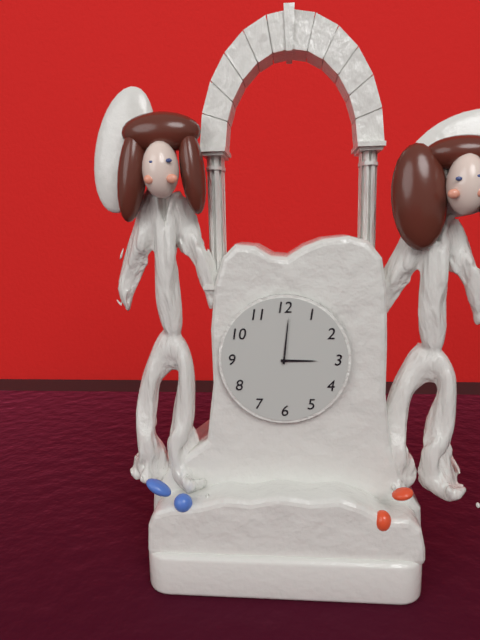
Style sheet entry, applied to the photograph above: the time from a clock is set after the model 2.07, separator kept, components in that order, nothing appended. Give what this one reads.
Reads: 3.01
